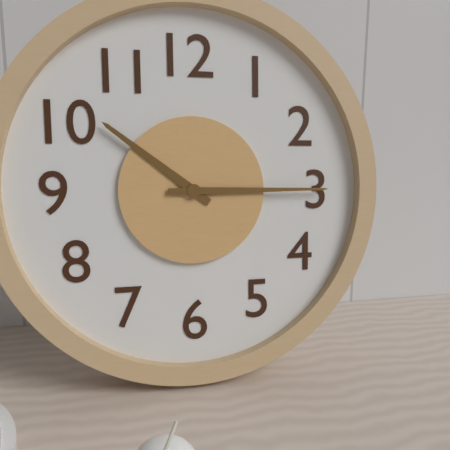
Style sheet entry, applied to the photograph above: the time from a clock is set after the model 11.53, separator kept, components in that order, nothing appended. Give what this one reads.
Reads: 10.15
